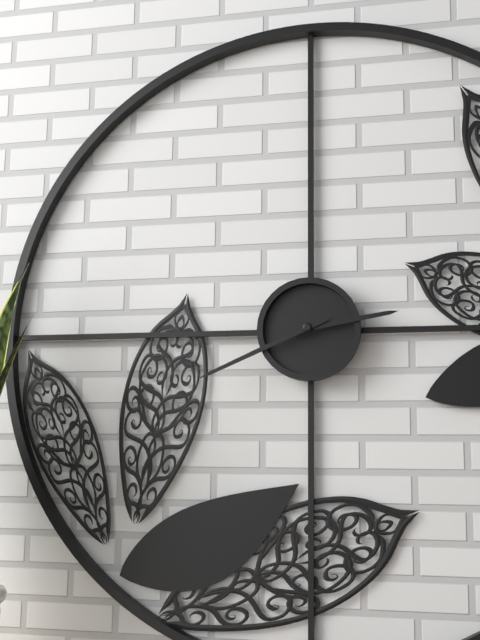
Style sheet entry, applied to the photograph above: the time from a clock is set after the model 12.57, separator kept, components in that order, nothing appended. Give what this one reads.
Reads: 2.41
